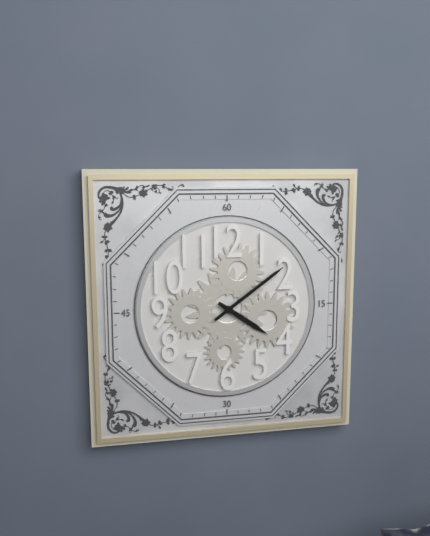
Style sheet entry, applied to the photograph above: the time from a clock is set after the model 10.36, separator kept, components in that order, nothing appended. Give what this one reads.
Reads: 4.09
